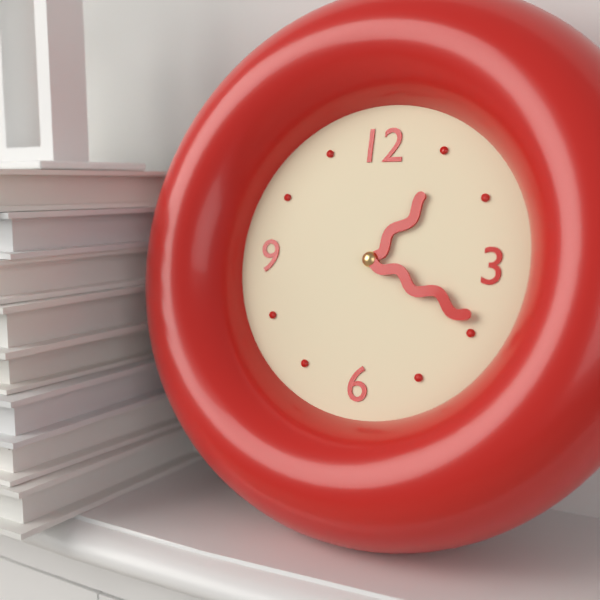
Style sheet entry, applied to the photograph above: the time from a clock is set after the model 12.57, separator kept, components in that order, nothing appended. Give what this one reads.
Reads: 1.19
